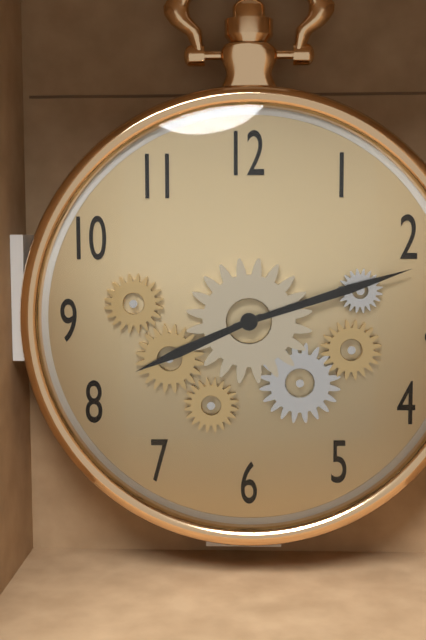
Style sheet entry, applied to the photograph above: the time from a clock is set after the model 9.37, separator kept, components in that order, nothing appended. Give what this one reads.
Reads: 8.12
